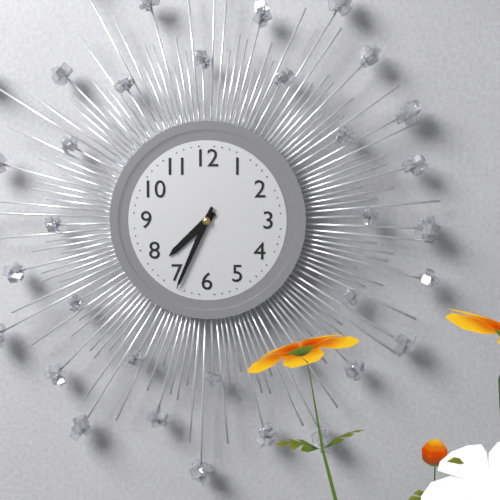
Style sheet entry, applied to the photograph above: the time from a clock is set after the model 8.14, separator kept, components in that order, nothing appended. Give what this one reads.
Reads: 7.34
